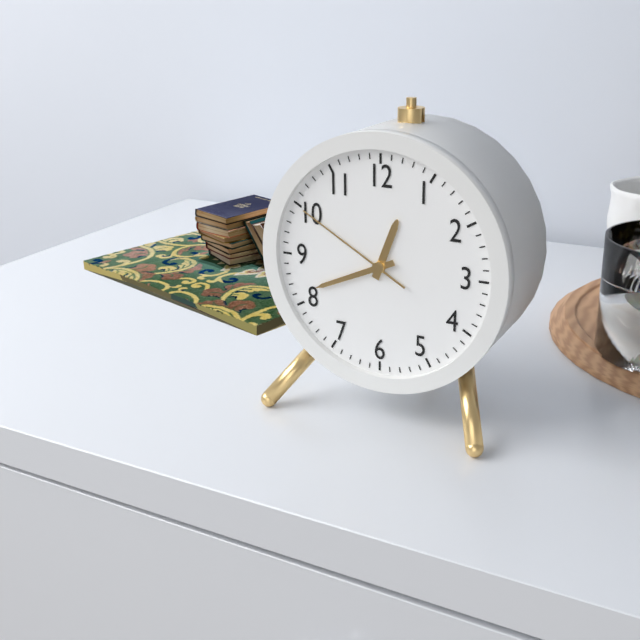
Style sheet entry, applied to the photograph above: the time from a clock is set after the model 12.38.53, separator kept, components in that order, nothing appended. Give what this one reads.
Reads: 12.41.50
